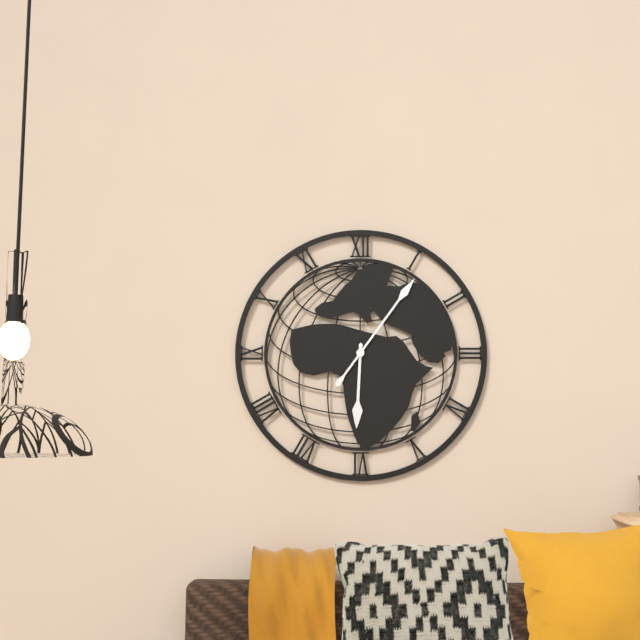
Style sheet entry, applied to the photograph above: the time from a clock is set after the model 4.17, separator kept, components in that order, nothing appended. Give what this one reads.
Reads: 6.06
